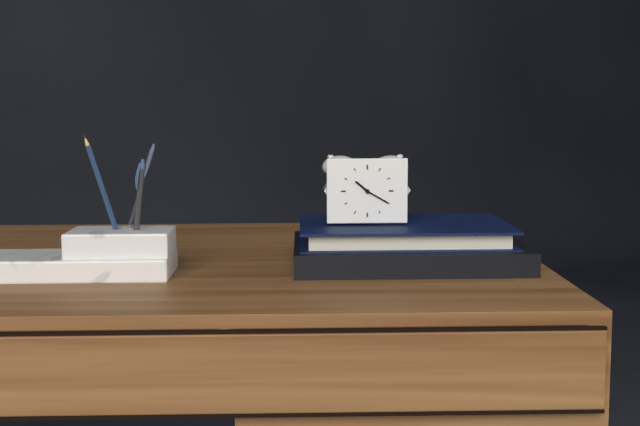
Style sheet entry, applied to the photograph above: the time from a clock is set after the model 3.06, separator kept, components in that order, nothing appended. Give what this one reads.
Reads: 10.20
